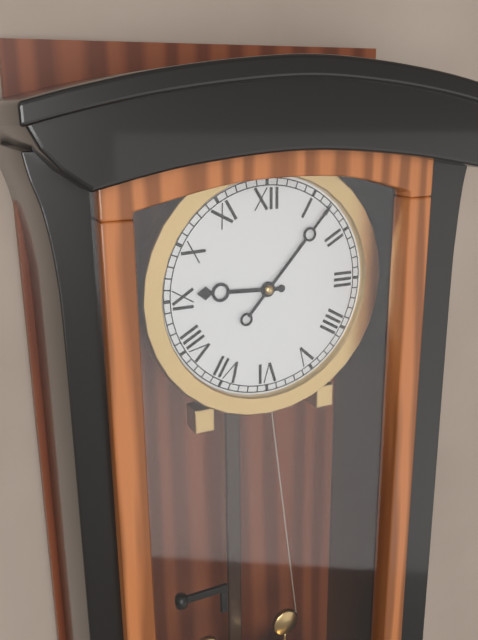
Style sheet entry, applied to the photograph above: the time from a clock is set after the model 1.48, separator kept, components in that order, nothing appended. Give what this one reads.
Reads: 9.07
